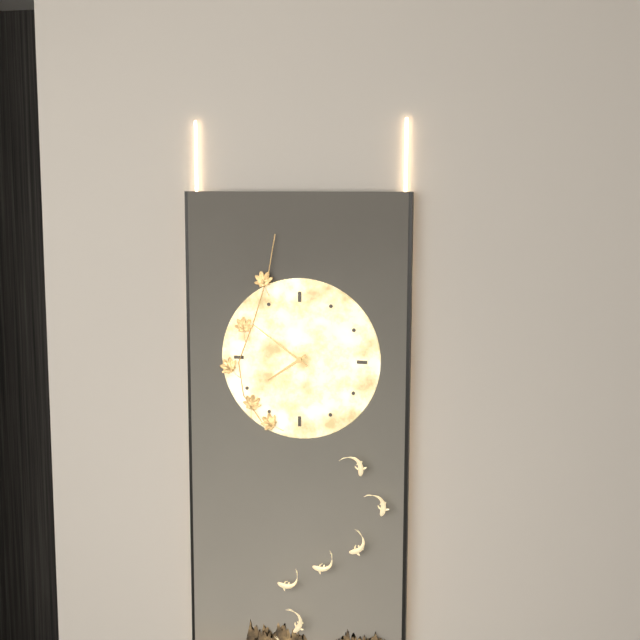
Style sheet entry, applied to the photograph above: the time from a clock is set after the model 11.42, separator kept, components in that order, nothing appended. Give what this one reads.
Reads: 7.51
